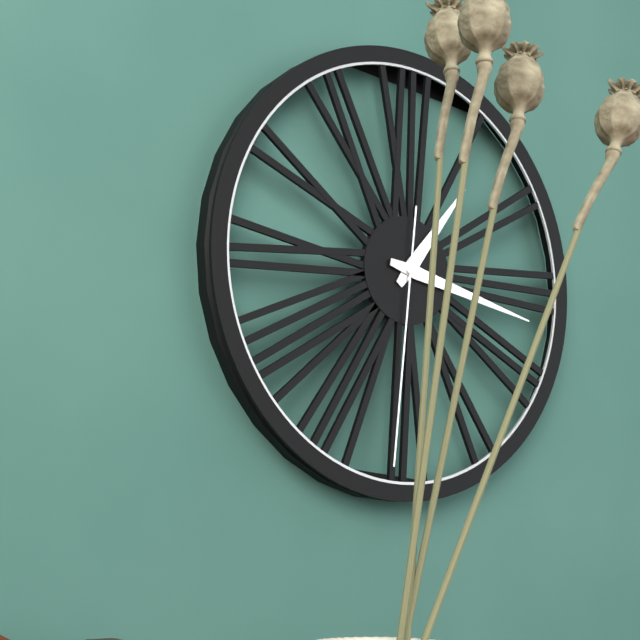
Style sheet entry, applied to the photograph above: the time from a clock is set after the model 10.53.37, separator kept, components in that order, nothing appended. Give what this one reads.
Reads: 1.17.31
